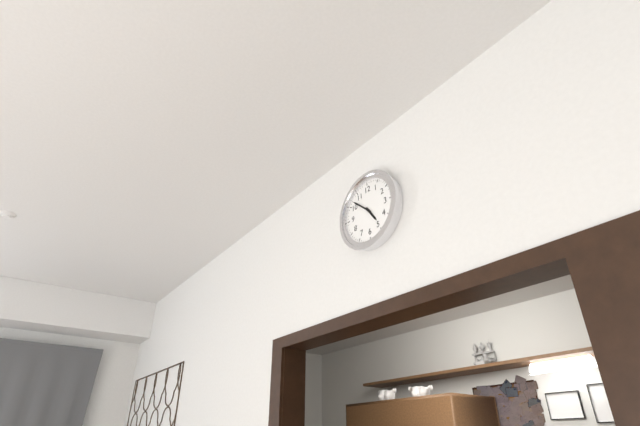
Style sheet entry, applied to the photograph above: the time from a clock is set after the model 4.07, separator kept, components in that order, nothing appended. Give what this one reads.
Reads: 4.52
